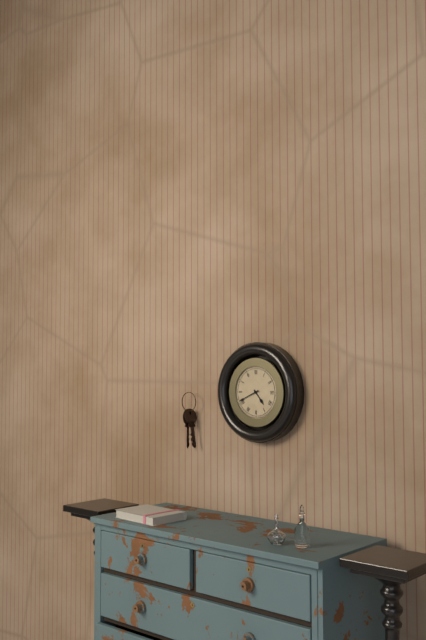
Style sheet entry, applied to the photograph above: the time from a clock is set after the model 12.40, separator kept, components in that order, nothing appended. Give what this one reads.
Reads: 4.41
